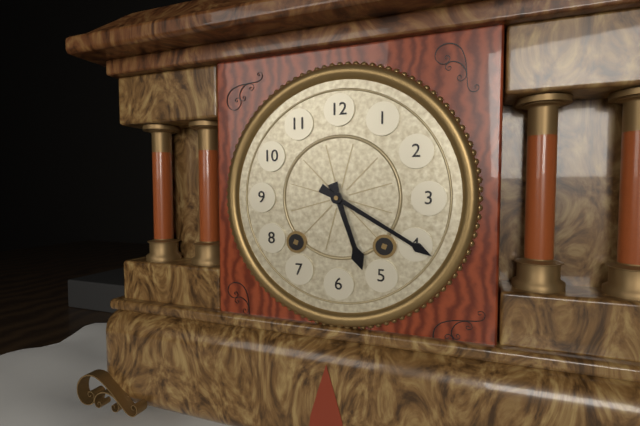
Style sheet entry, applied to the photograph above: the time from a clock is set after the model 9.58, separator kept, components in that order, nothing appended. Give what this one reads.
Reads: 5.20
